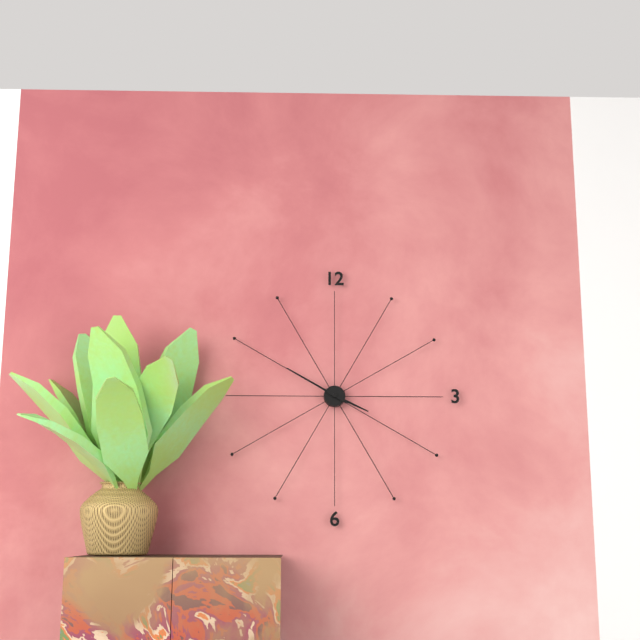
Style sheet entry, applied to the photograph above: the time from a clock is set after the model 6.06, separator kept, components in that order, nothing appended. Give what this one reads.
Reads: 3.50
